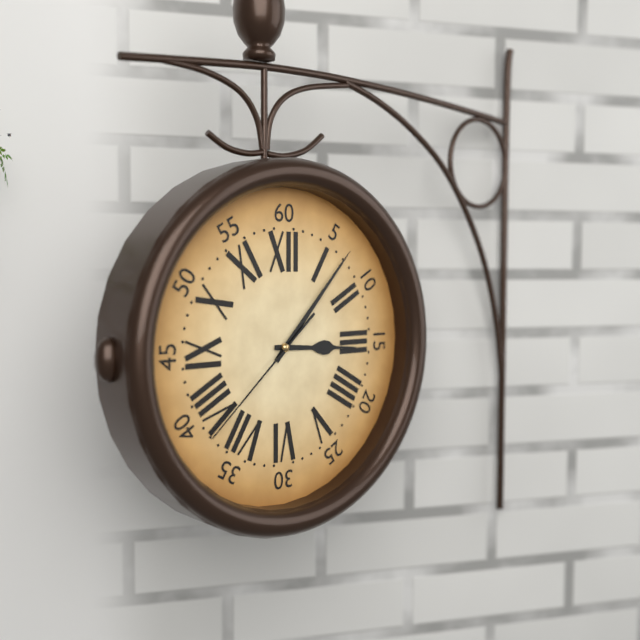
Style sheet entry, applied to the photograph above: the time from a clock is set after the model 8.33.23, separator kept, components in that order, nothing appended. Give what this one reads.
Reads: 3.07.38
